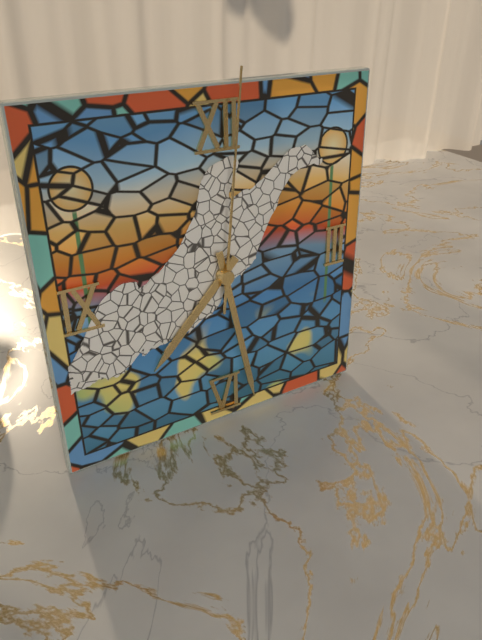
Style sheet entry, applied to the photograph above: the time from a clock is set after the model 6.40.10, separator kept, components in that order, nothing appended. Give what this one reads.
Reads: 7.28.01
